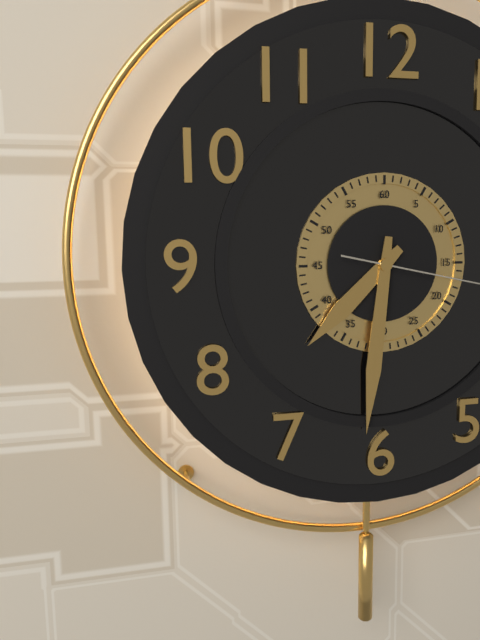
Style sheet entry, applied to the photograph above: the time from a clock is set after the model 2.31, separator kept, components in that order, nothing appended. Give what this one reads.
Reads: 7.31
